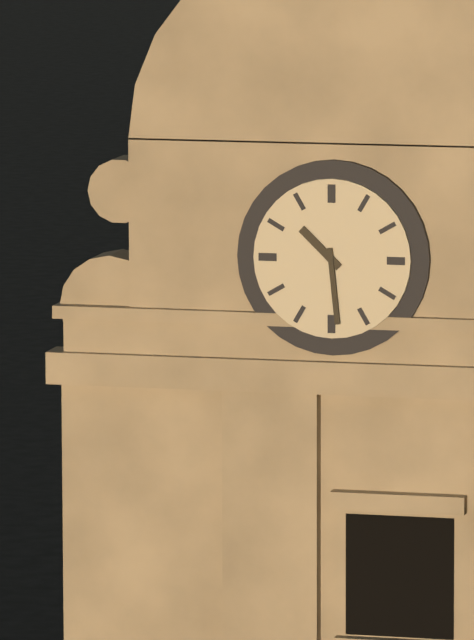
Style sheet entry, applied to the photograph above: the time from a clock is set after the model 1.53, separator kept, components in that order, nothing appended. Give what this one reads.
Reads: 10.29
